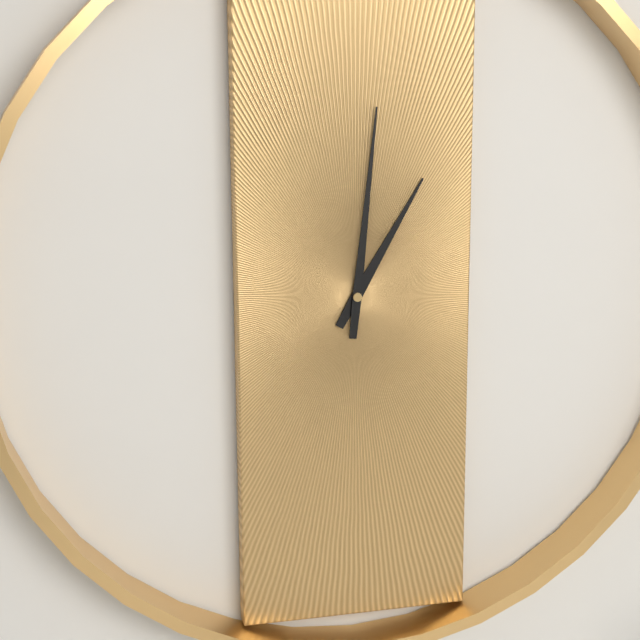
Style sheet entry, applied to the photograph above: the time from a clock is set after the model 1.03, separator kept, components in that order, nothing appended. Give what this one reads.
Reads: 1.01
